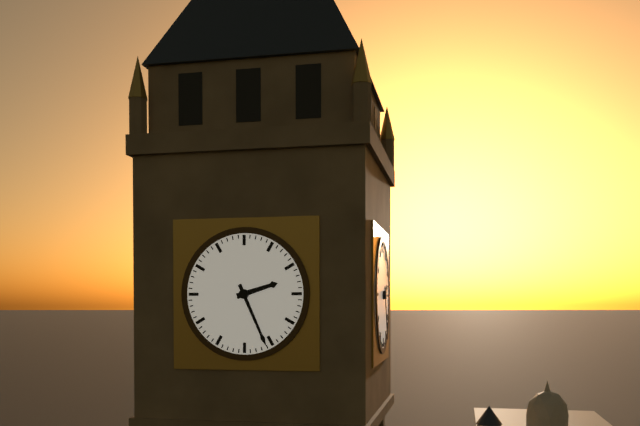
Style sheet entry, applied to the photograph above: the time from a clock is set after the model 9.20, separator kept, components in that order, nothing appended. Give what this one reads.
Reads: 2.26
